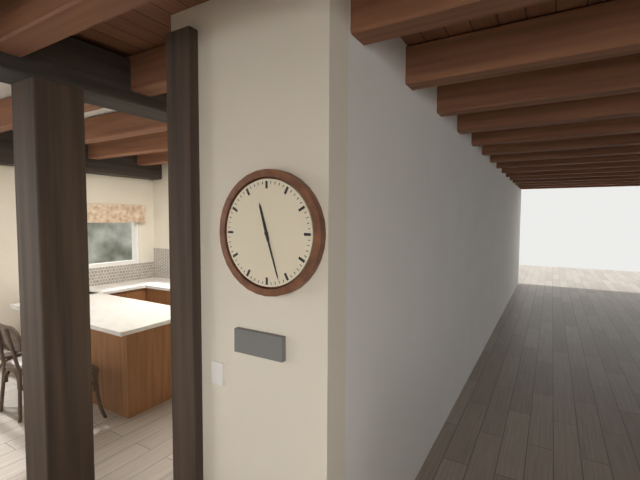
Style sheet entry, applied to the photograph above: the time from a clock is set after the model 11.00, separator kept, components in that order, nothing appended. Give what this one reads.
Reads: 11.27
